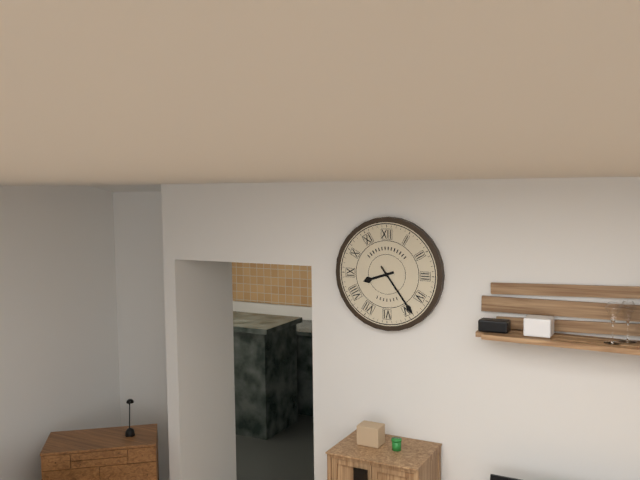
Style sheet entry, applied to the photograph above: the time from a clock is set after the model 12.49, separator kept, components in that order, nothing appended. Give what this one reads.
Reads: 8.24
